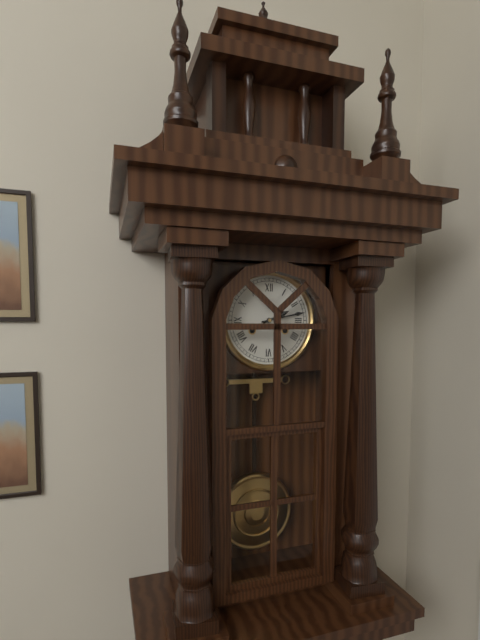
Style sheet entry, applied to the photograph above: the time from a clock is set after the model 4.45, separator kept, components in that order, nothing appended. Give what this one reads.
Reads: 2.13
